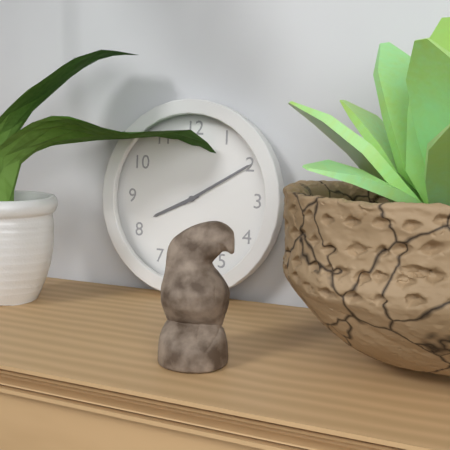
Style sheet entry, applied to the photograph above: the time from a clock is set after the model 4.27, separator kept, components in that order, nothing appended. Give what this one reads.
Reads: 8.10
